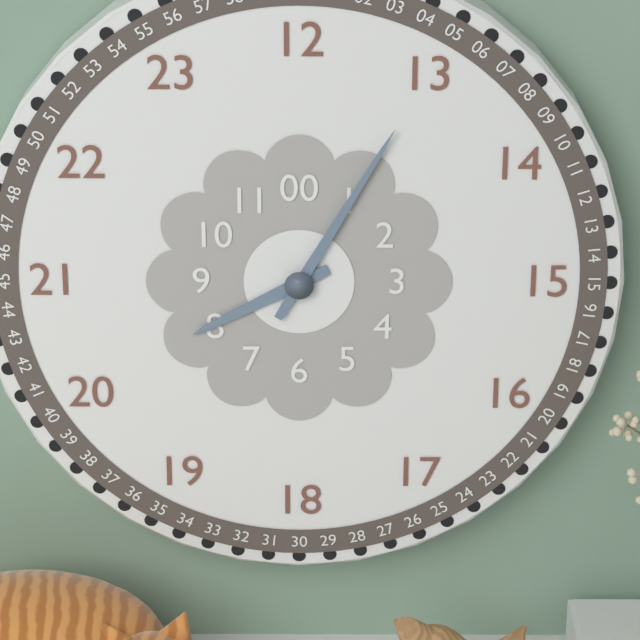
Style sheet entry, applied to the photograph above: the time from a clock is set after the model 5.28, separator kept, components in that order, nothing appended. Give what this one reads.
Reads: 8.05
